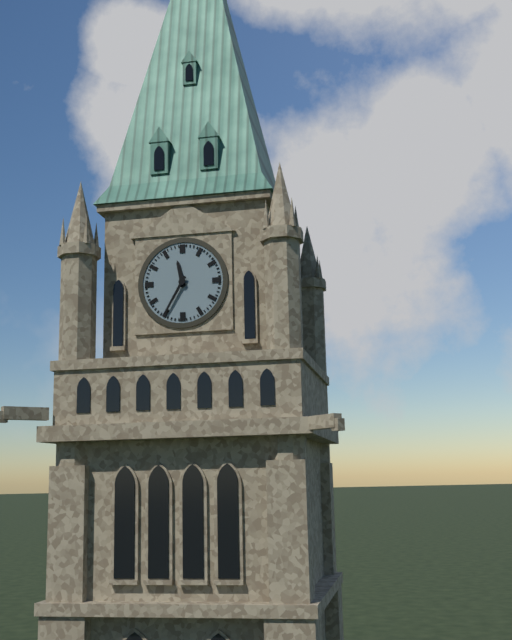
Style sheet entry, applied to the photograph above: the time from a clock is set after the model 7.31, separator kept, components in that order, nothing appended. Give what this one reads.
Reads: 11.35
